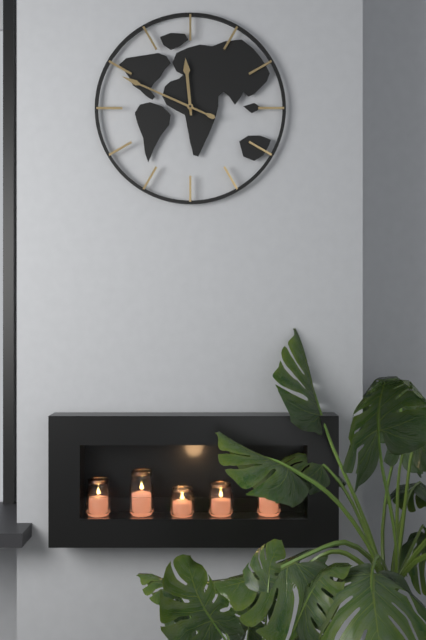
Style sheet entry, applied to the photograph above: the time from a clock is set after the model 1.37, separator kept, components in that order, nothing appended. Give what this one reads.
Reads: 11.49
